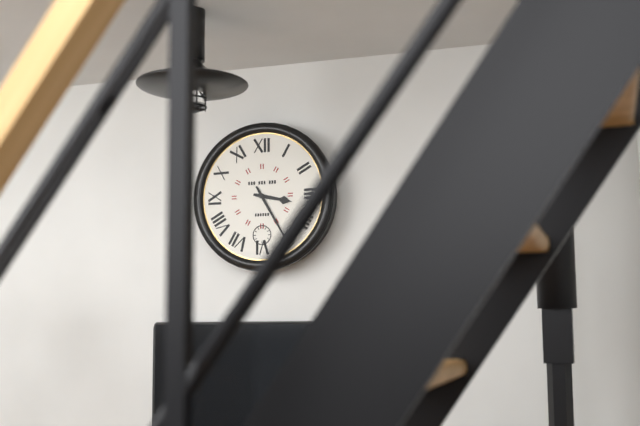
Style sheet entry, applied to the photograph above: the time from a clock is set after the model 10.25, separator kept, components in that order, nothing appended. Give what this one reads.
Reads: 3.25
